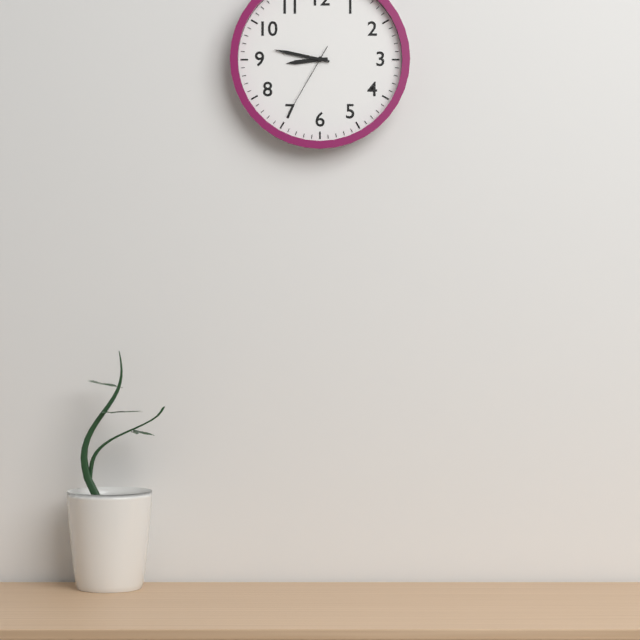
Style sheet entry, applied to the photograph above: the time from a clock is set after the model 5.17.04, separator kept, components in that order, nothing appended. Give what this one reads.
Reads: 8.47.35
